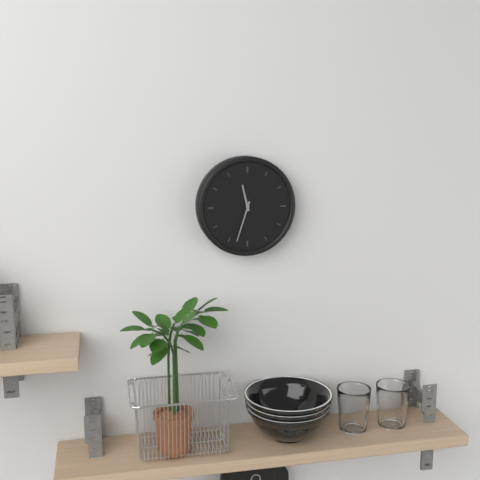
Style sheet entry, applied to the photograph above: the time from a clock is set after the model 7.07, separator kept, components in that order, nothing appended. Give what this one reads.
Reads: 11.33
